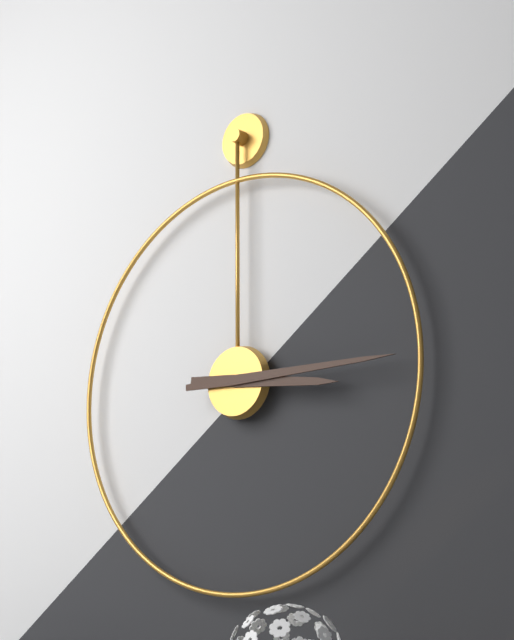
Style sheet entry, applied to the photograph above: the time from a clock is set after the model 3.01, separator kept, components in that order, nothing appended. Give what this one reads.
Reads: 3.15
